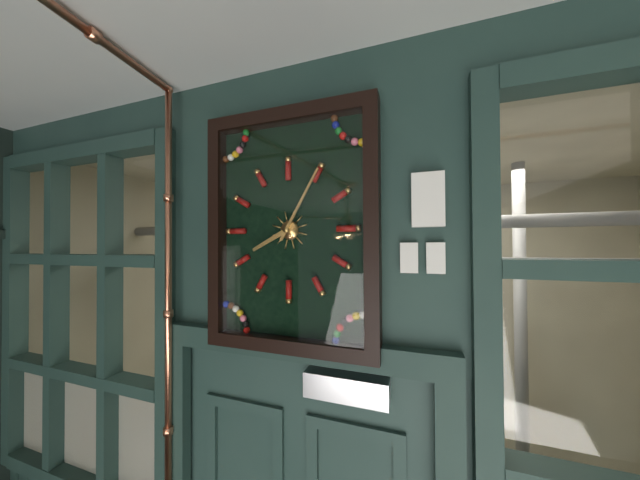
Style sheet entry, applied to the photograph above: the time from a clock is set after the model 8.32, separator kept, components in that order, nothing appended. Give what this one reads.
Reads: 8.05
